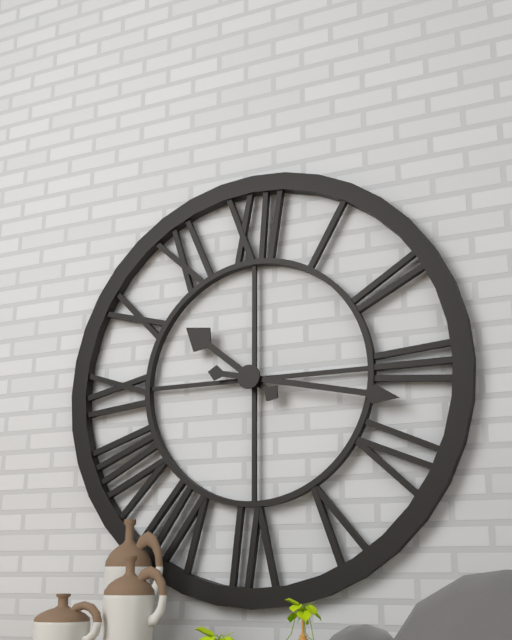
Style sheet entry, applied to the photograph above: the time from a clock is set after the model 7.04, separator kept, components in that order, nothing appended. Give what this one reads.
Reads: 10.17
